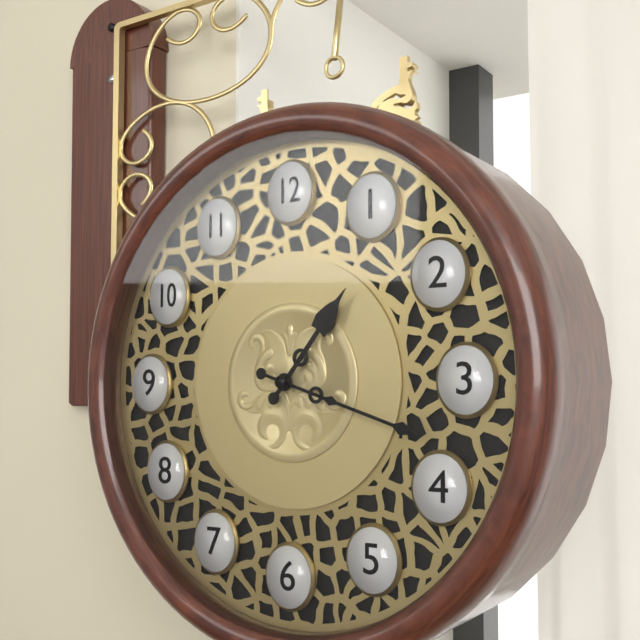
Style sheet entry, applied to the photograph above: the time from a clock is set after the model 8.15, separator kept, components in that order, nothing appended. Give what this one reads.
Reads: 1.18
